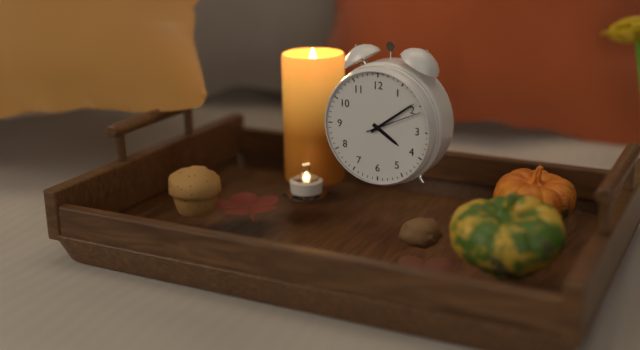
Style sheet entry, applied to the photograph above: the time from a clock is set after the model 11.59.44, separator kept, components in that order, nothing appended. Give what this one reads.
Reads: 4.09.11
